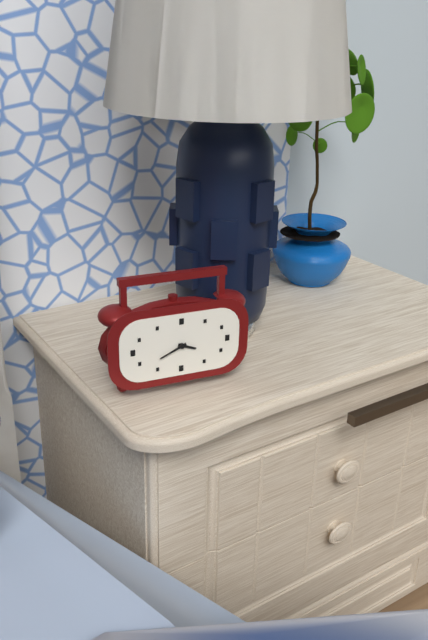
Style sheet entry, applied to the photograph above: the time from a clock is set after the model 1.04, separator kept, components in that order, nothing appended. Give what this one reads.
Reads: 3.41
